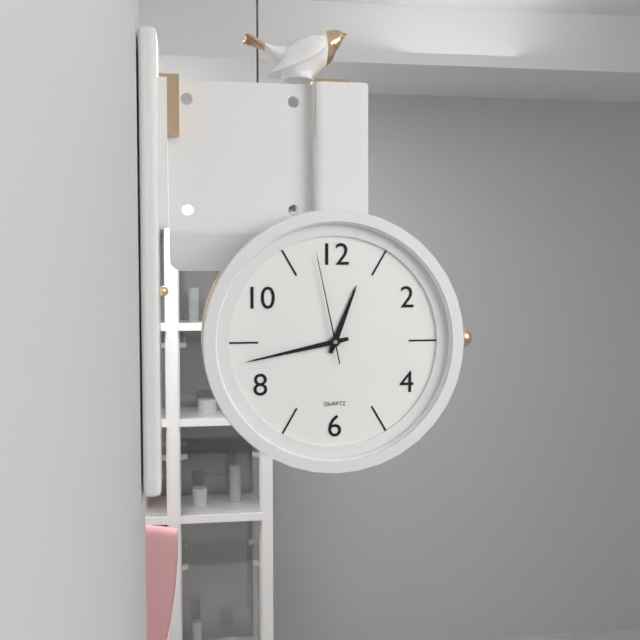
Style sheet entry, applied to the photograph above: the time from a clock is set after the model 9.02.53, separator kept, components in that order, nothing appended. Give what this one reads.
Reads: 12.43.58
